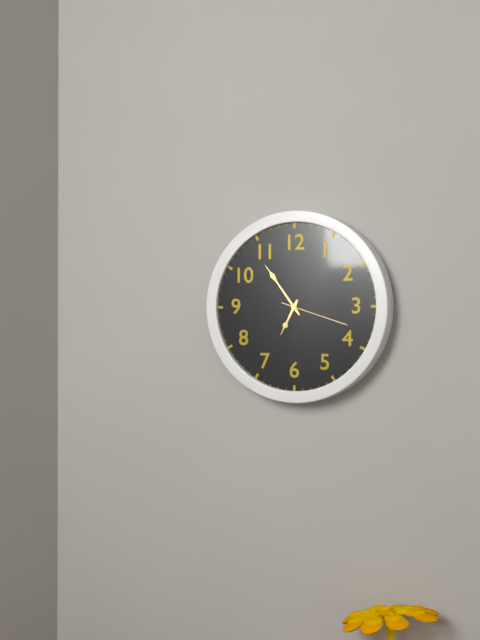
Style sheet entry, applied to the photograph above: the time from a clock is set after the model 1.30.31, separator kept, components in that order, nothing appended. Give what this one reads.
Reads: 6.54.18
